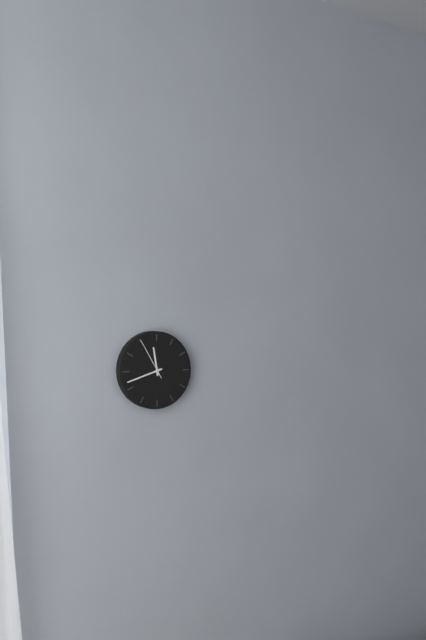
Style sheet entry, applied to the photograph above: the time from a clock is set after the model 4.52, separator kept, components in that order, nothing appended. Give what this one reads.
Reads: 11.42
